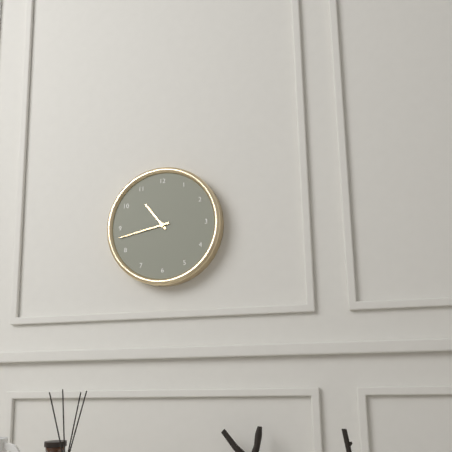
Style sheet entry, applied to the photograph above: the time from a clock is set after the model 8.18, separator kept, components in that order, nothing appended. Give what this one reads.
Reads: 10.43
